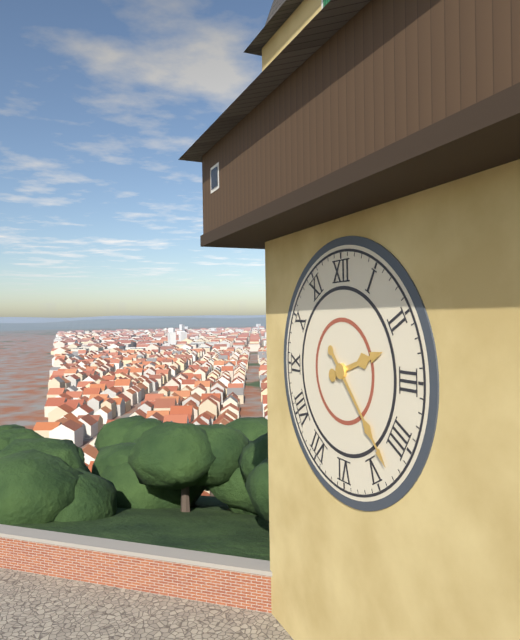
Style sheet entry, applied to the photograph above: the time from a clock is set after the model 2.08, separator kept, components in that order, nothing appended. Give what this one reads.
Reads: 2.23
